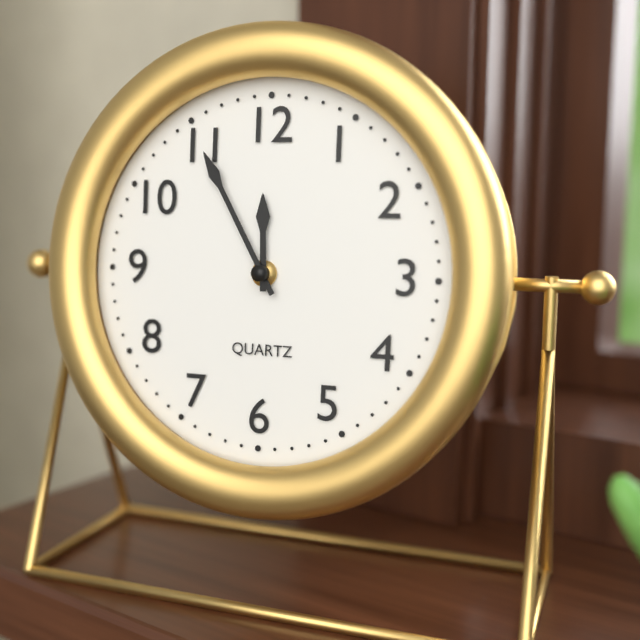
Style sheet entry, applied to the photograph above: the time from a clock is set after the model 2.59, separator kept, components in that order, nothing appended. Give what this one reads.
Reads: 11.55
